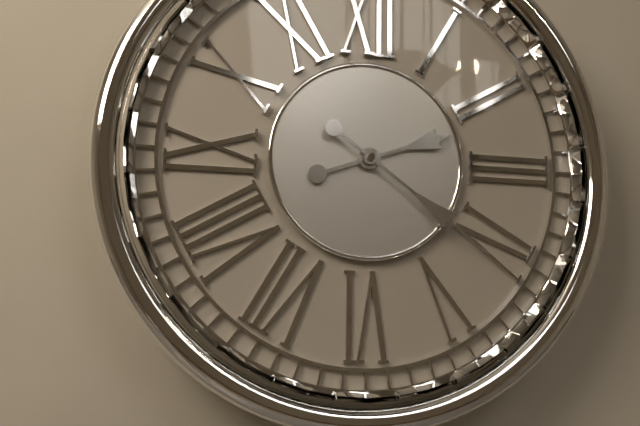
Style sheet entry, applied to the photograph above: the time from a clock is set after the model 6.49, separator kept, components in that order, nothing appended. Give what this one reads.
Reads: 2.21
